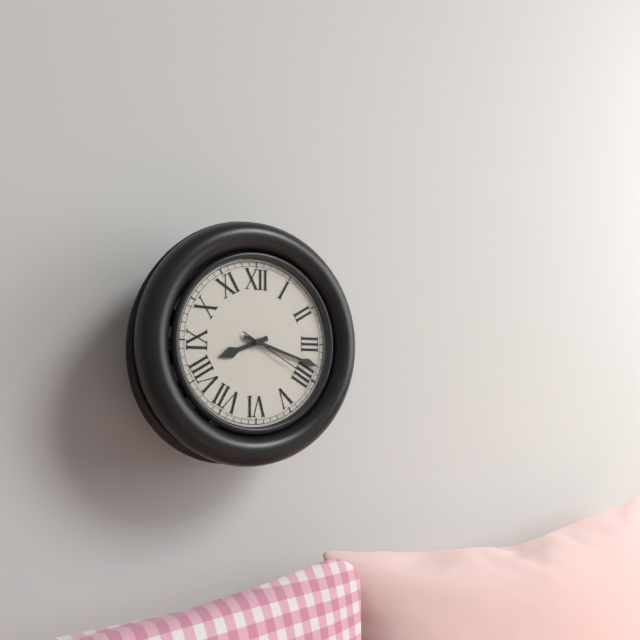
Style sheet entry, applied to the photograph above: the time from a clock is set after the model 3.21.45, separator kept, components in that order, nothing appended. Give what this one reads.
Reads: 8.18.20
